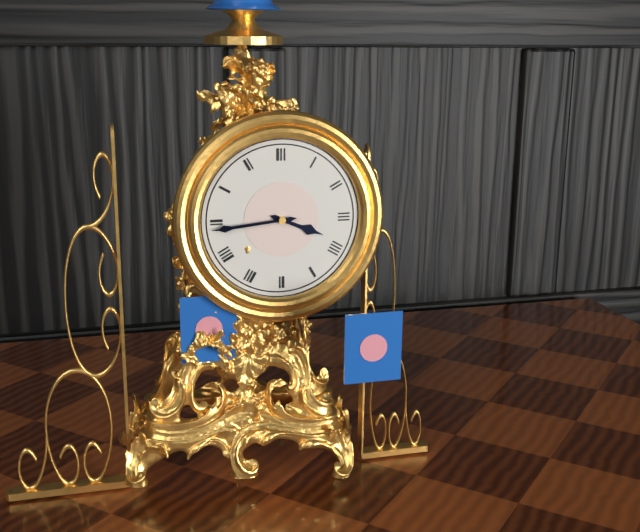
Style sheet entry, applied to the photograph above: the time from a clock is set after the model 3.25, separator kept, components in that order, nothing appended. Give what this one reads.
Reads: 3.44
